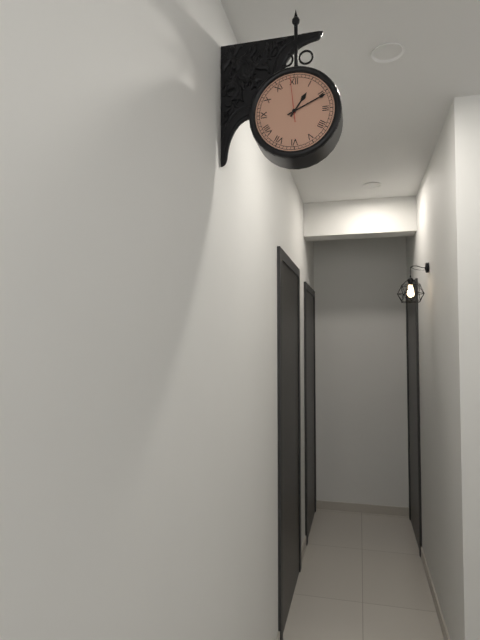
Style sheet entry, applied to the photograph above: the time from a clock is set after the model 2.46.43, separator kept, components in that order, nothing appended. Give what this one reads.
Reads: 1.11.59
